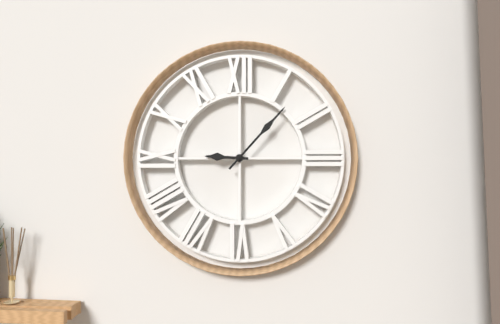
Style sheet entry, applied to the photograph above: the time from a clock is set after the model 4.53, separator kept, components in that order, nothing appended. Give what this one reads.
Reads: 9.07
